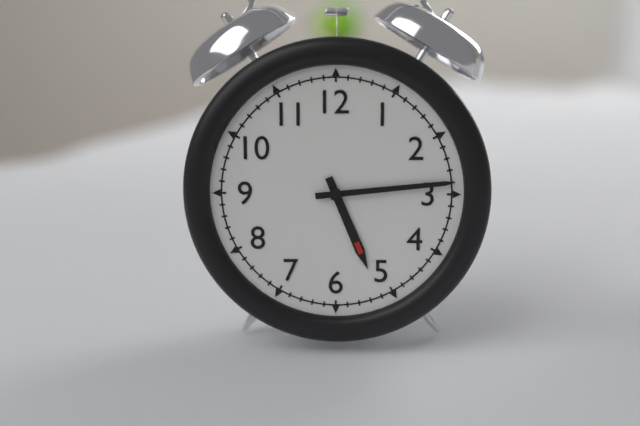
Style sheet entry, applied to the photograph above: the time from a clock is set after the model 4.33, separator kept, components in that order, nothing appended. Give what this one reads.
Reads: 5.14
